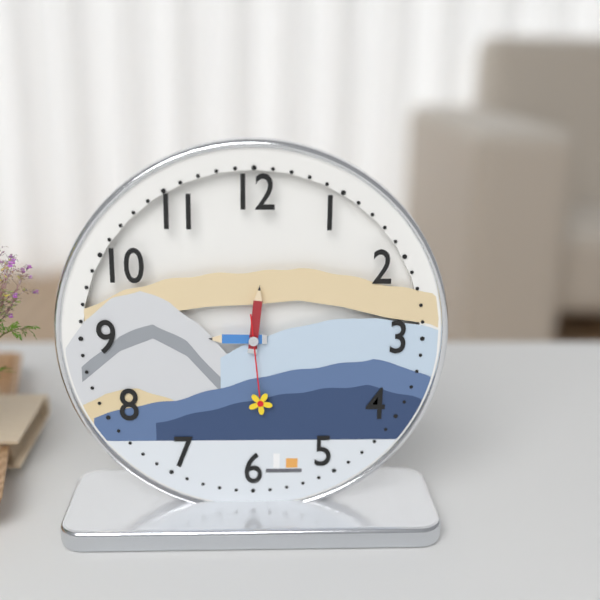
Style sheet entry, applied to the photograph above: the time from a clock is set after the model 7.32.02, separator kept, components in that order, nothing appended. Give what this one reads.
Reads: 9.01.29
